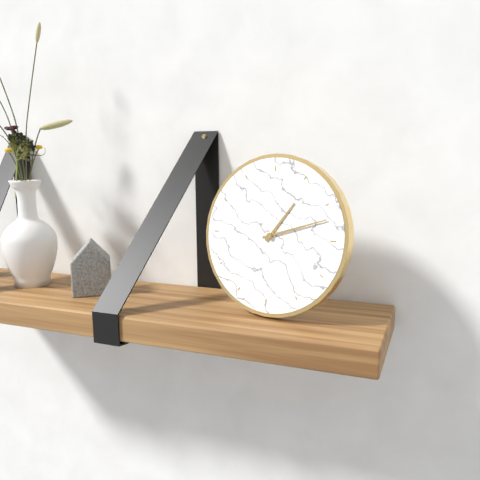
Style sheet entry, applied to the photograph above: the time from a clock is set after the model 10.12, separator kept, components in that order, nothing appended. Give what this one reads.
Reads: 1.12
